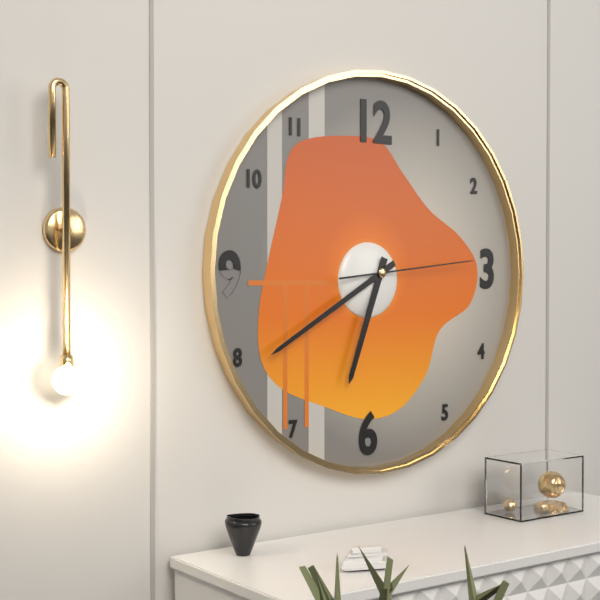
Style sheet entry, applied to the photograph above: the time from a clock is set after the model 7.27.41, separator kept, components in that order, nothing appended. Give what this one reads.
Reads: 6.40.14
